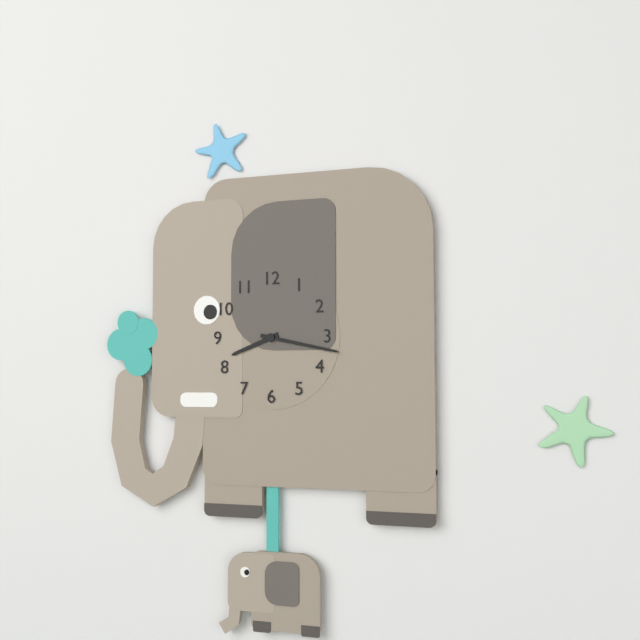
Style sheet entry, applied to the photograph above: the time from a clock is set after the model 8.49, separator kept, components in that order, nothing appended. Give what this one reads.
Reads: 8.17
